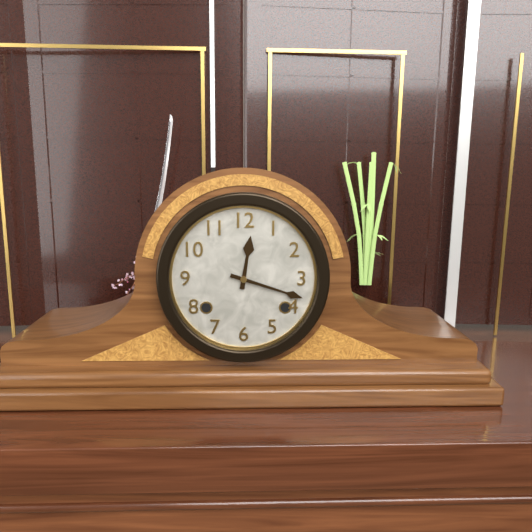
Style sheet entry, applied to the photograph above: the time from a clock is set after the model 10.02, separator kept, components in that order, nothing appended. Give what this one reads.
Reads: 12.18
